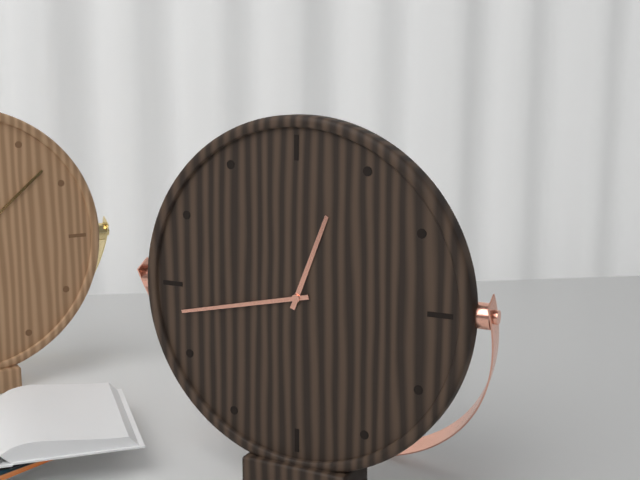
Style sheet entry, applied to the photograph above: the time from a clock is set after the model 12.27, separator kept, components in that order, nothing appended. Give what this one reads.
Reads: 12.43
